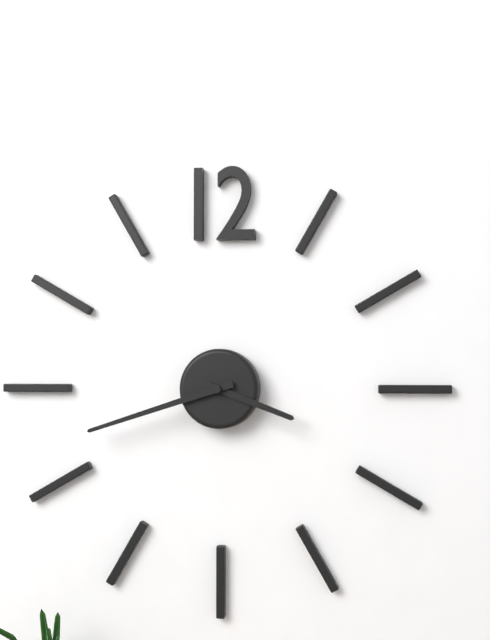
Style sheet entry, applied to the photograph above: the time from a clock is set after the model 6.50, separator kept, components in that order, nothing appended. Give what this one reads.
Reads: 3.42
